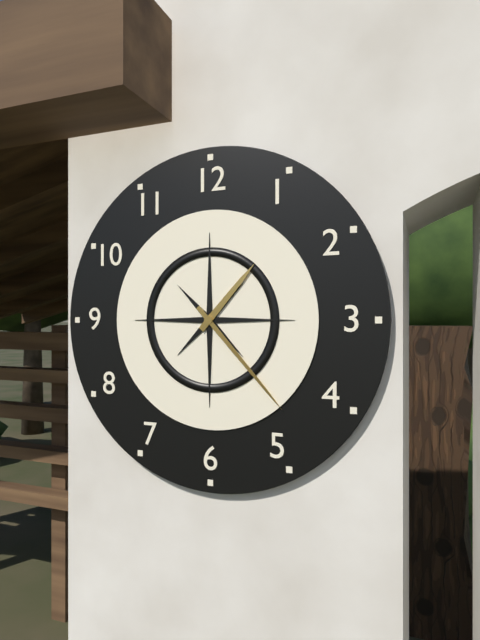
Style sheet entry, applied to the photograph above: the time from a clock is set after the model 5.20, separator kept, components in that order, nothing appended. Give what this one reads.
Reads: 1.23
